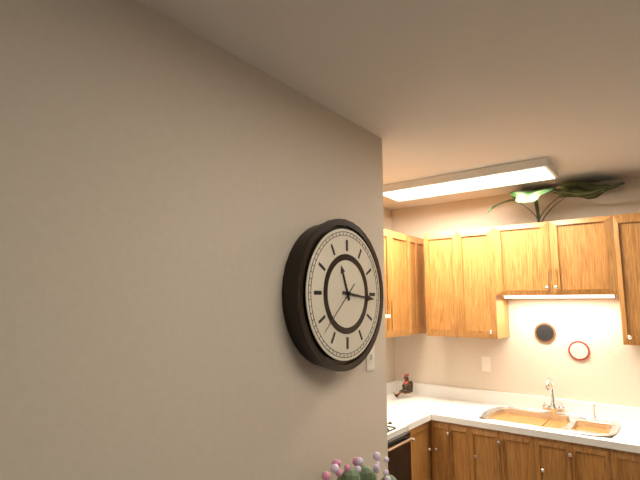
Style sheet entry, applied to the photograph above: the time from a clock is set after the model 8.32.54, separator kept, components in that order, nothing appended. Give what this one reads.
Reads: 11.16.38
